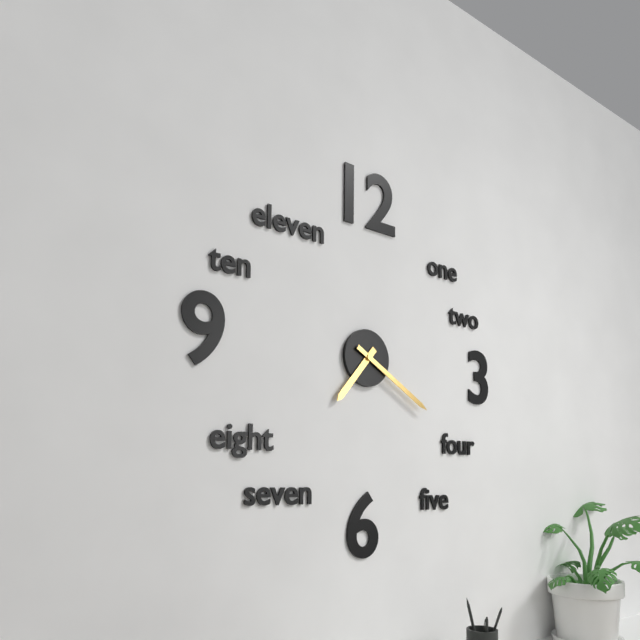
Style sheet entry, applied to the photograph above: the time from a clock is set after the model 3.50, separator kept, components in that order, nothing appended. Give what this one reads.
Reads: 7.20
